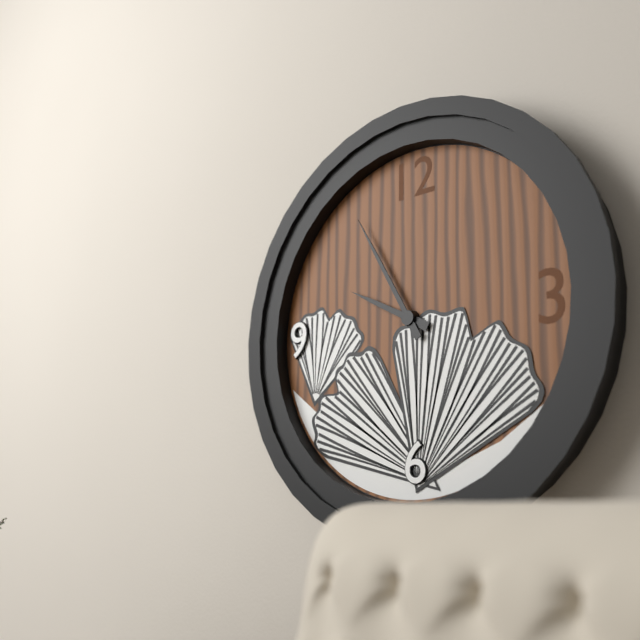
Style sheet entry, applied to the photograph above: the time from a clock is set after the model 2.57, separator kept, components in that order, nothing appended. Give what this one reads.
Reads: 9.55
